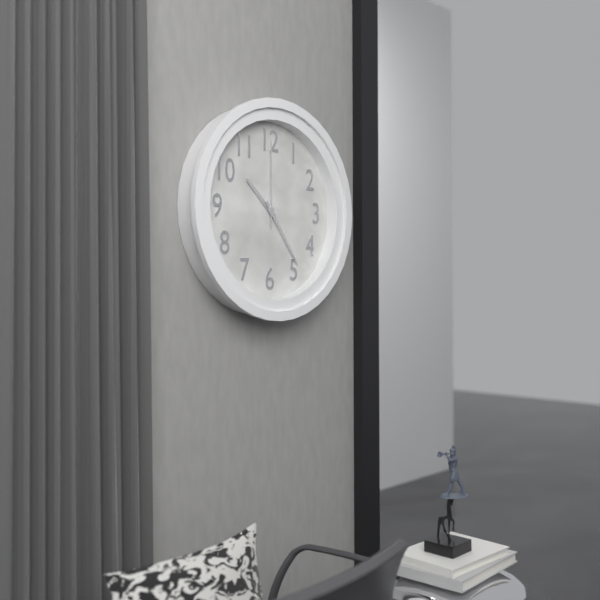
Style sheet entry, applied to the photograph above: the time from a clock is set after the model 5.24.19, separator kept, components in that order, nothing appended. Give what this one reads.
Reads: 10.24.00
